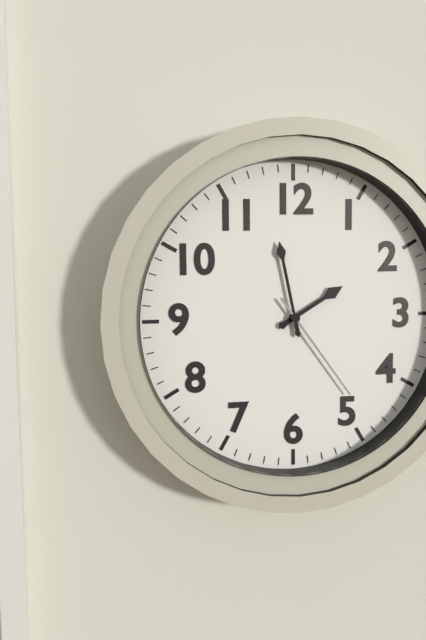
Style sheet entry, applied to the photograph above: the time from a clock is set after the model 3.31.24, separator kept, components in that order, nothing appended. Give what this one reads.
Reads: 1.58.24
